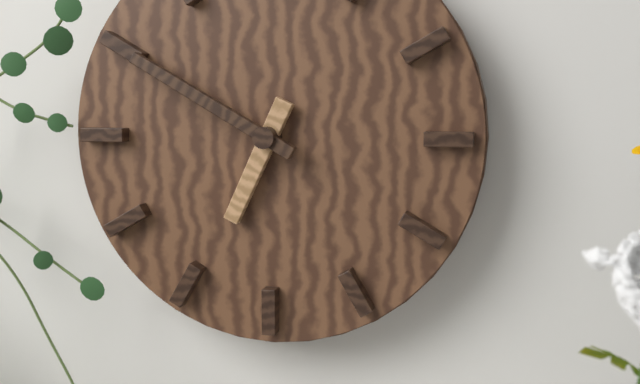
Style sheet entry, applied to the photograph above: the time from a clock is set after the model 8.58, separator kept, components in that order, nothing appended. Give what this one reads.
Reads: 6.50
